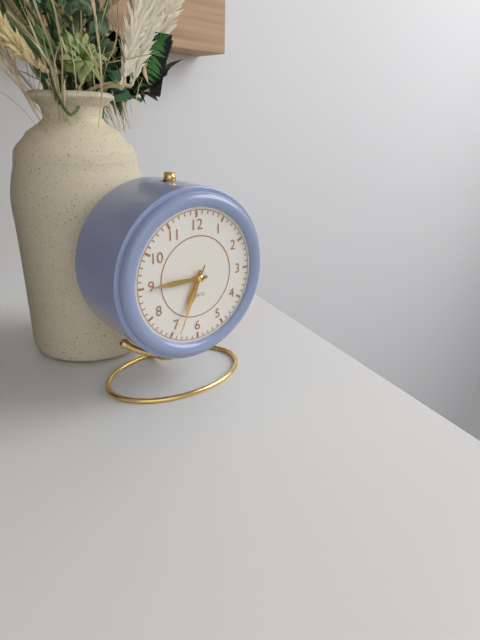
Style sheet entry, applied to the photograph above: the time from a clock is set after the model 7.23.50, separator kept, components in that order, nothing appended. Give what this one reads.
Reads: 6.45.34
